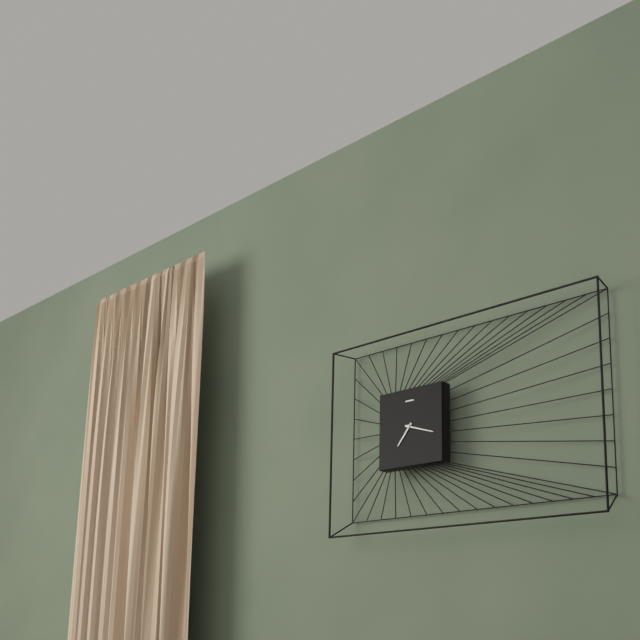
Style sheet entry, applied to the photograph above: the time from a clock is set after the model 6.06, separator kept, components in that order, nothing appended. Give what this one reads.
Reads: 7.18
